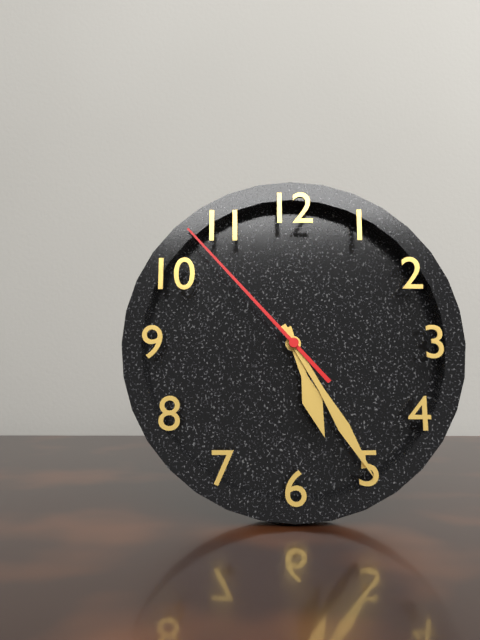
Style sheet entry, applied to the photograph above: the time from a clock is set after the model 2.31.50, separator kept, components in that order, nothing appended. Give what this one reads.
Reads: 5.25.53
